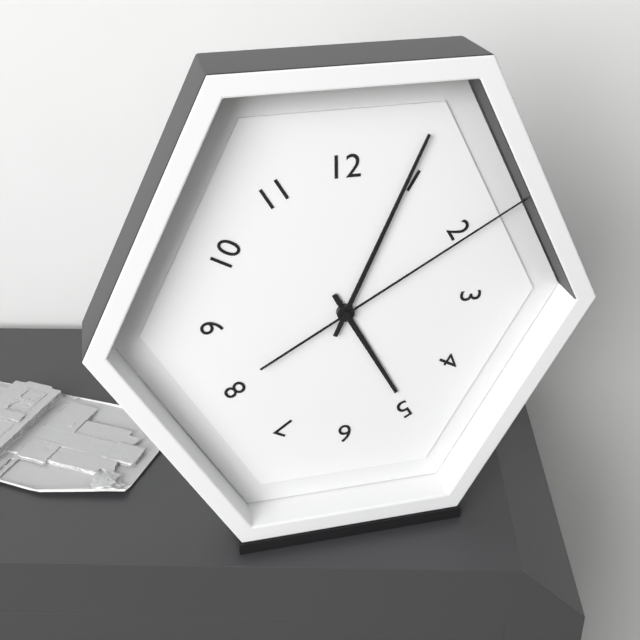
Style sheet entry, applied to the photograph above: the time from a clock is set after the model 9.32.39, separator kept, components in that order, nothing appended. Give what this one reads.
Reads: 5.04.10
